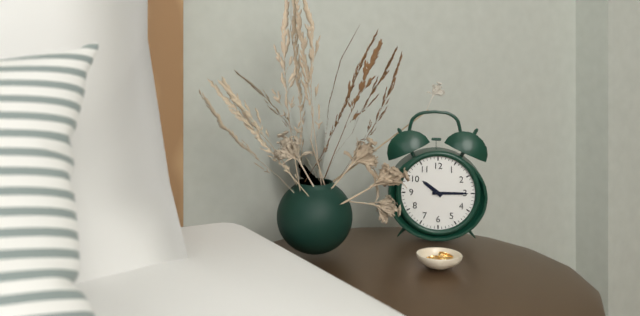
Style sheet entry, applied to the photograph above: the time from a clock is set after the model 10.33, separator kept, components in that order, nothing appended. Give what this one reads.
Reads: 10.15
